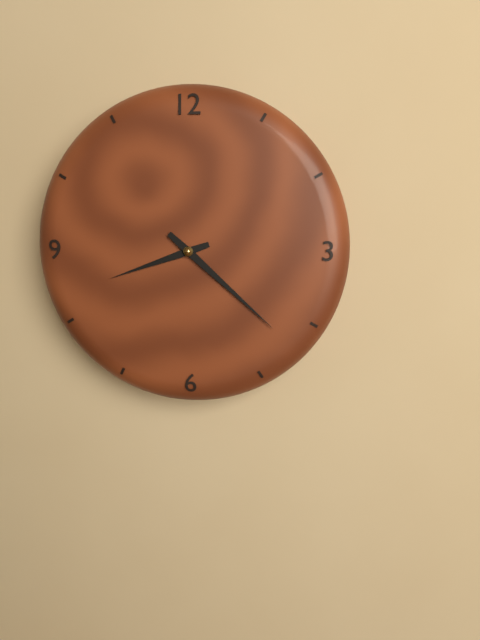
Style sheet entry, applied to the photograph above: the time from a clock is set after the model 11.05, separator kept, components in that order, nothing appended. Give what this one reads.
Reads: 8.22
